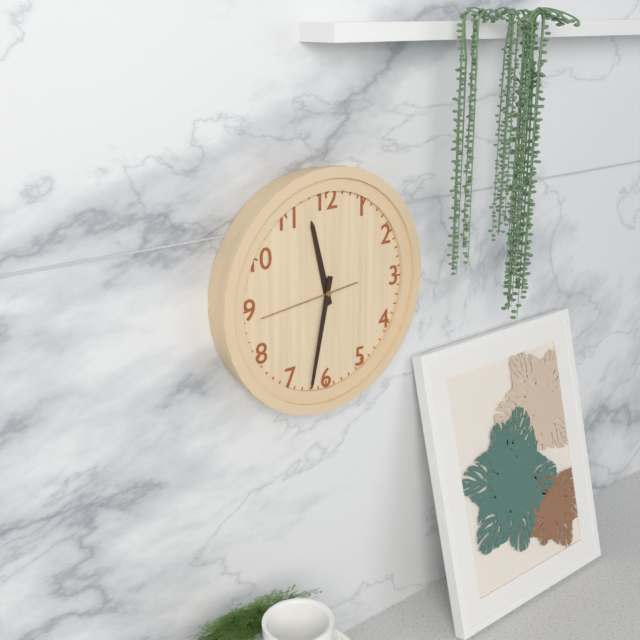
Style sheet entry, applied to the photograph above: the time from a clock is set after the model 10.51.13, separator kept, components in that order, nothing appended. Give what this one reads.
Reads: 11.32.44
